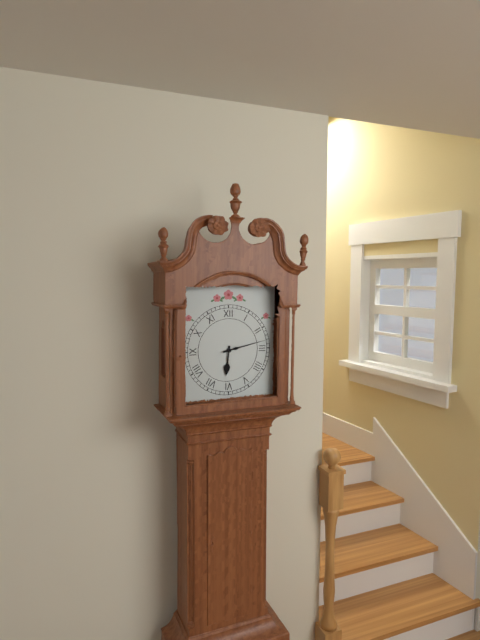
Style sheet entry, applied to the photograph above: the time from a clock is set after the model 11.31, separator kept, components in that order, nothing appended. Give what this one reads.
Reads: 6.13
